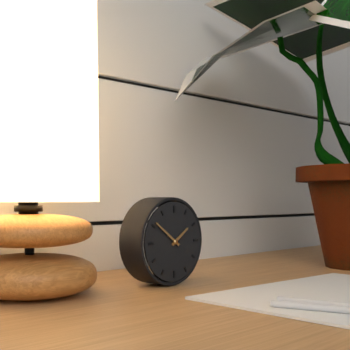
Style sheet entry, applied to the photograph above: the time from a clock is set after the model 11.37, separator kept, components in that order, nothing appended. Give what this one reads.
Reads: 1.51
